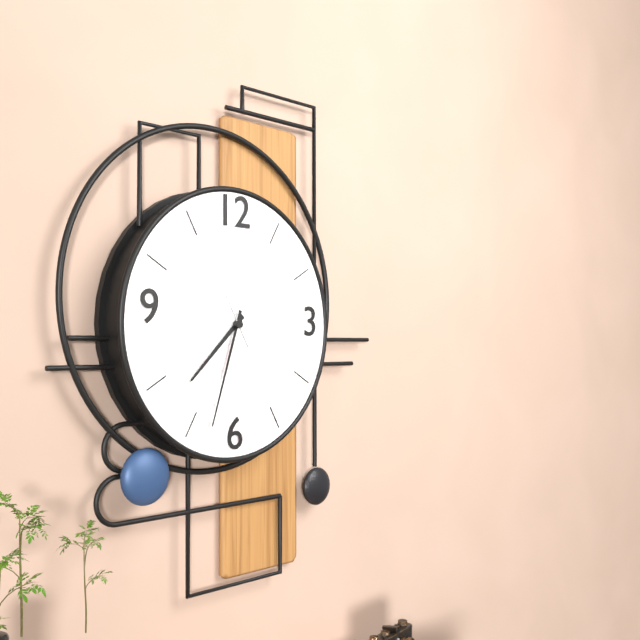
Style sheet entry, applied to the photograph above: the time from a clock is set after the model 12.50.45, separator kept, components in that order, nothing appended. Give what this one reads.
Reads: 7.33.55
